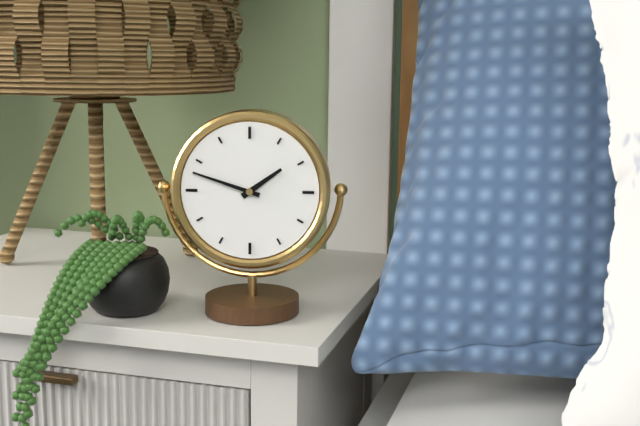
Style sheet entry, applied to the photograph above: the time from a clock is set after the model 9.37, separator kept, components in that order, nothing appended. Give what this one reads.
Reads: 1.48
